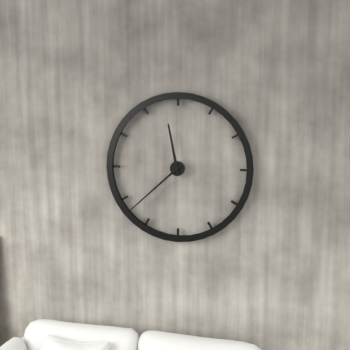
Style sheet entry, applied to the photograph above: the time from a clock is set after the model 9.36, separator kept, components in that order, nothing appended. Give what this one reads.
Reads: 11.38
